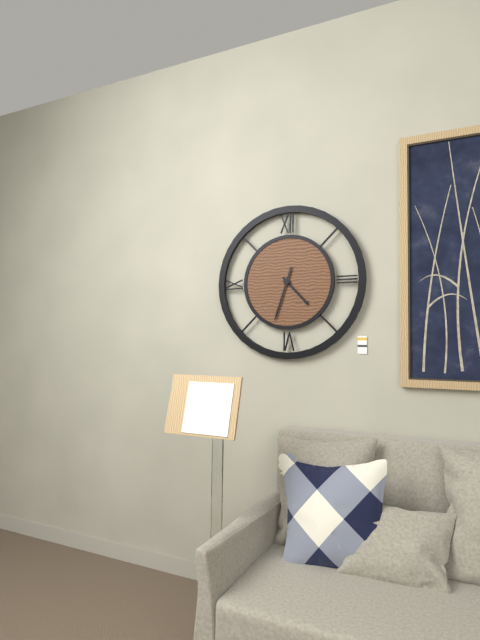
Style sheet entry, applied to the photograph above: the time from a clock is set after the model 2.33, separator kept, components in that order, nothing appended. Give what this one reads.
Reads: 4.33
